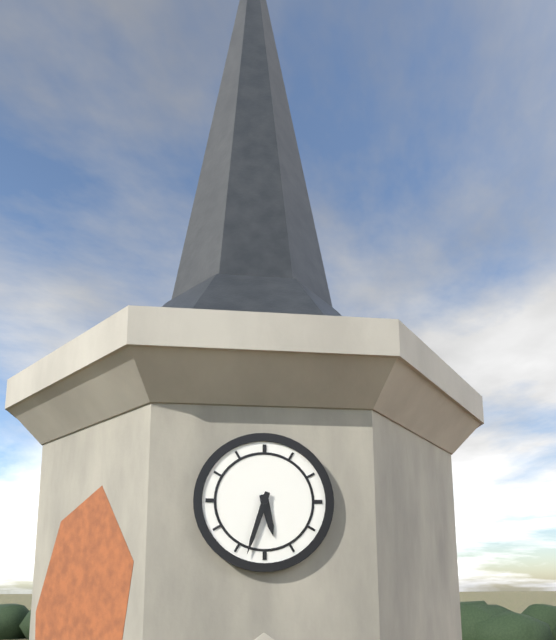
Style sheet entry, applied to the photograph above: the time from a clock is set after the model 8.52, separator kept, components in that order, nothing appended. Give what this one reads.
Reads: 5.33
